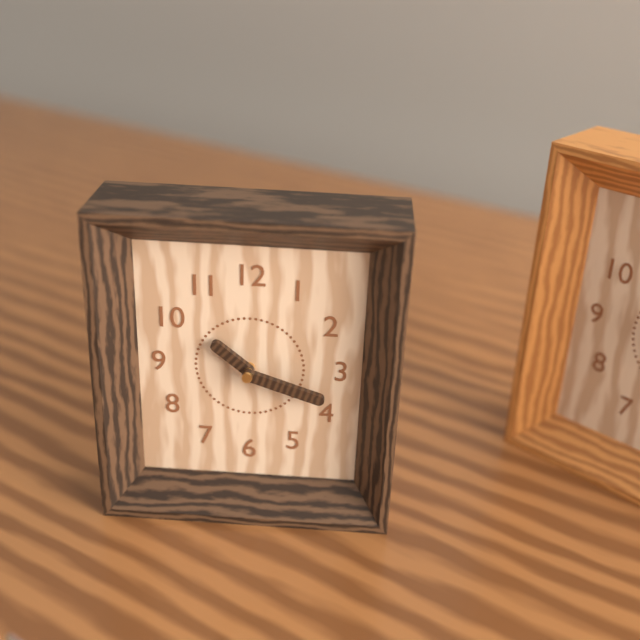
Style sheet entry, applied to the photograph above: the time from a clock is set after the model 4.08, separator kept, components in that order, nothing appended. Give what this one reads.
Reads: 10.18
